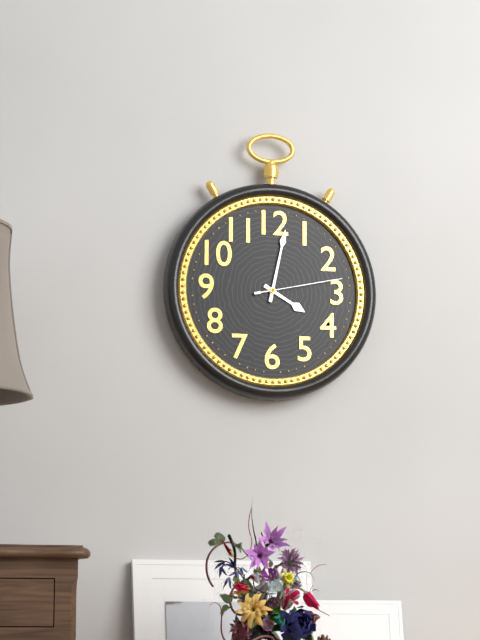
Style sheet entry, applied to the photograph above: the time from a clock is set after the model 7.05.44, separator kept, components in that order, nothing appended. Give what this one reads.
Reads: 4.02.13
